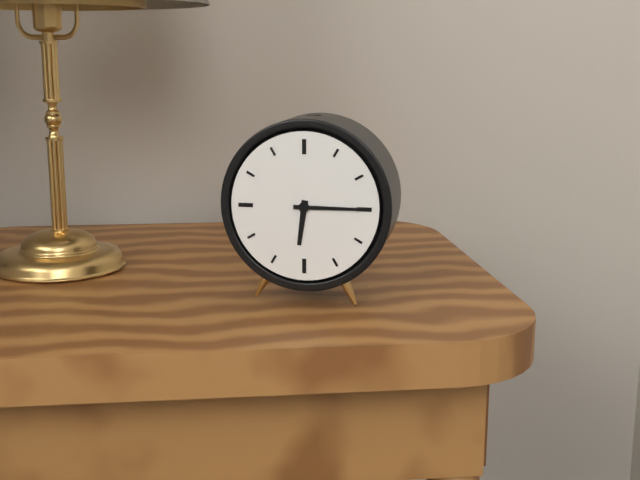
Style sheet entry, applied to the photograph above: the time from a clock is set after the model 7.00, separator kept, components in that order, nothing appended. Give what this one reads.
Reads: 6.15
